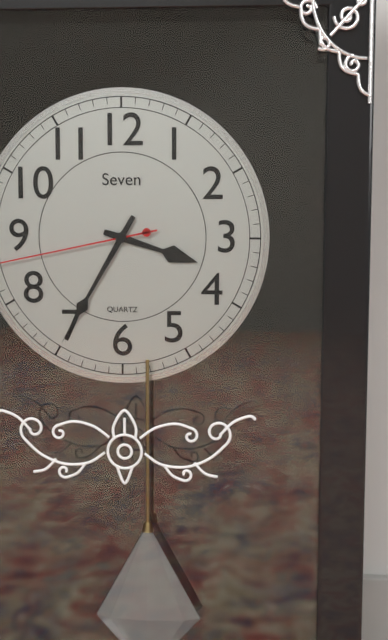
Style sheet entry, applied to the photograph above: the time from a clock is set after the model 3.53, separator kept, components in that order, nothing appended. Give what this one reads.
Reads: 3.35
